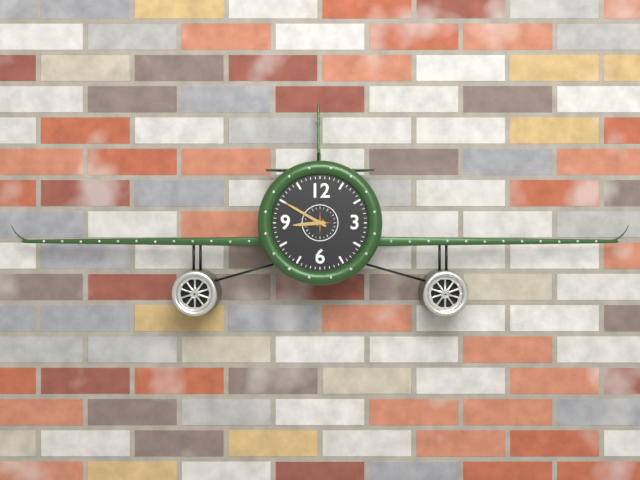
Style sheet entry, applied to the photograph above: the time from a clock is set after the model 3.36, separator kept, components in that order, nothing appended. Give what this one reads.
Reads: 8.50
